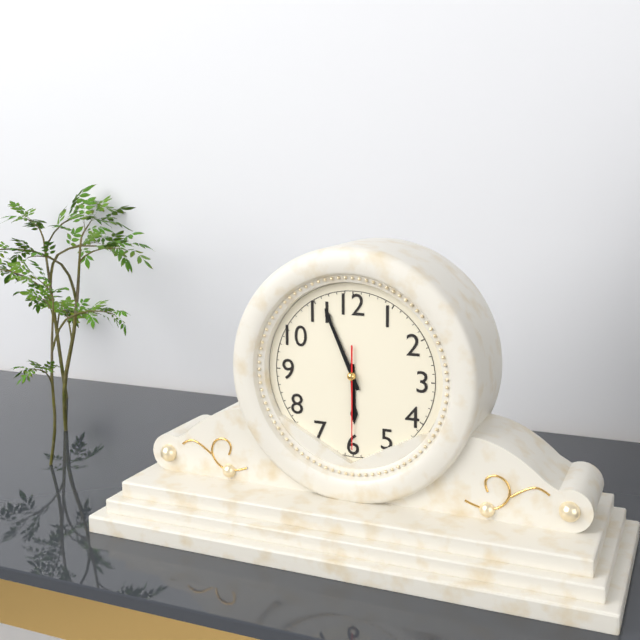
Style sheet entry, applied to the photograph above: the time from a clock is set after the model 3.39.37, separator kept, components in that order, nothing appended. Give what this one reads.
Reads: 5.56.30
